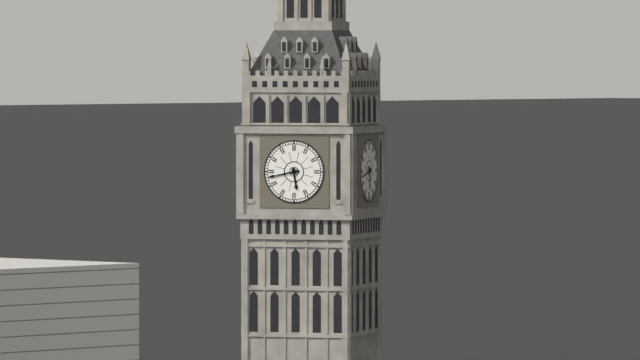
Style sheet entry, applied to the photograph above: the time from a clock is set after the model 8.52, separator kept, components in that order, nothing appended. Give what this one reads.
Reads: 5.43
